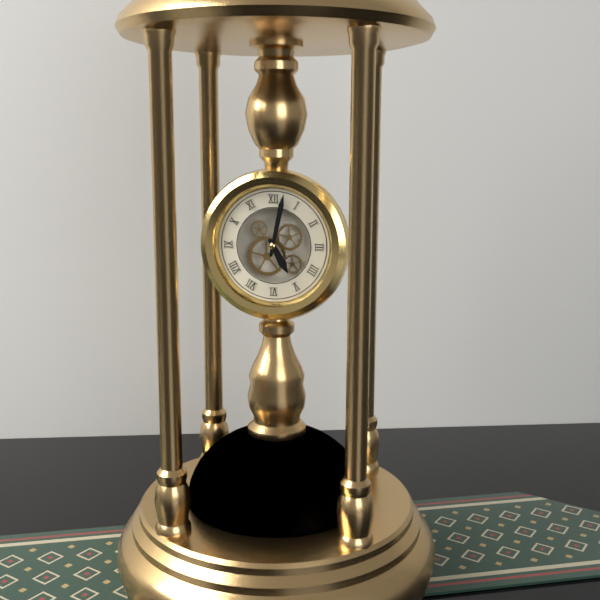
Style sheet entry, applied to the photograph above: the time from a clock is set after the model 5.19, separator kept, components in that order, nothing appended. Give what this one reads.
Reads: 5.02
